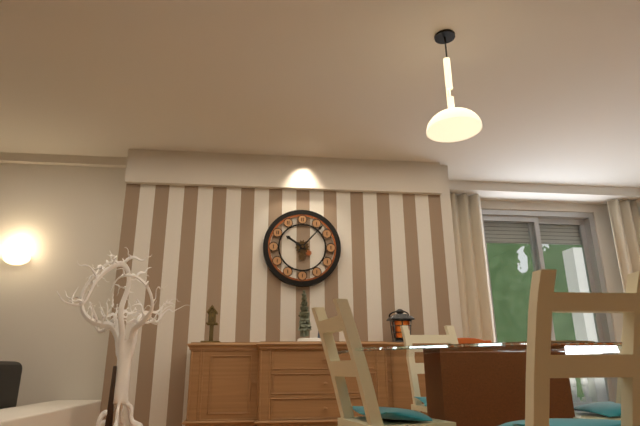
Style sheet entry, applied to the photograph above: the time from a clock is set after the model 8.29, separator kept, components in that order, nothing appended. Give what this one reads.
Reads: 10.07
